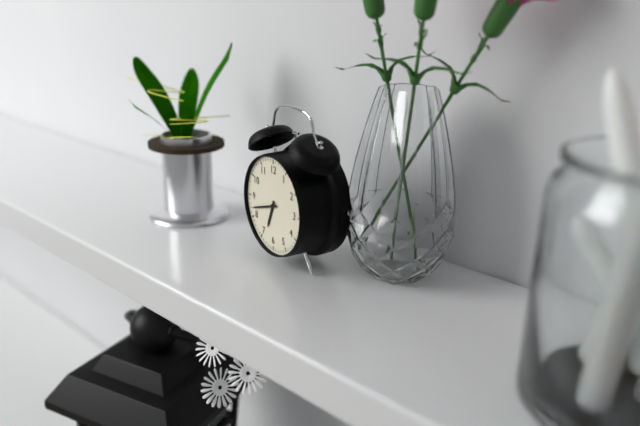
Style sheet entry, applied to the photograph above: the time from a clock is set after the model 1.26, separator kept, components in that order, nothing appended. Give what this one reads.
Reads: 6.42
